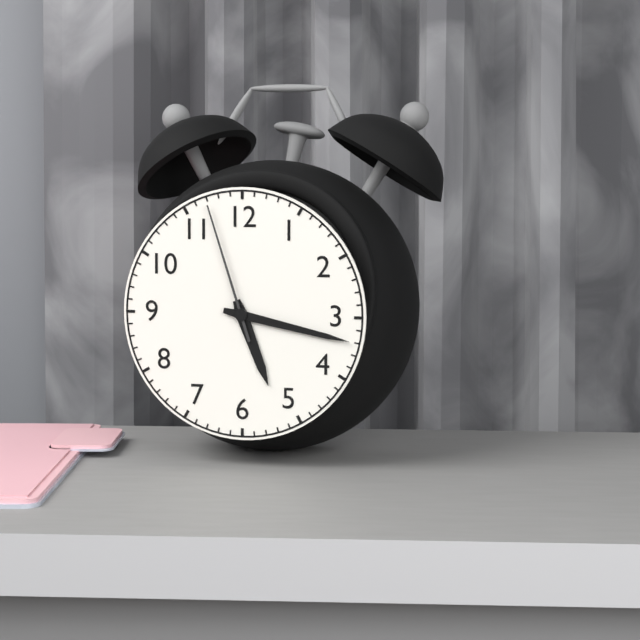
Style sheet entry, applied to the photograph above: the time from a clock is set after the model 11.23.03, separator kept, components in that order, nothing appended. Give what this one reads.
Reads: 5.17.57
